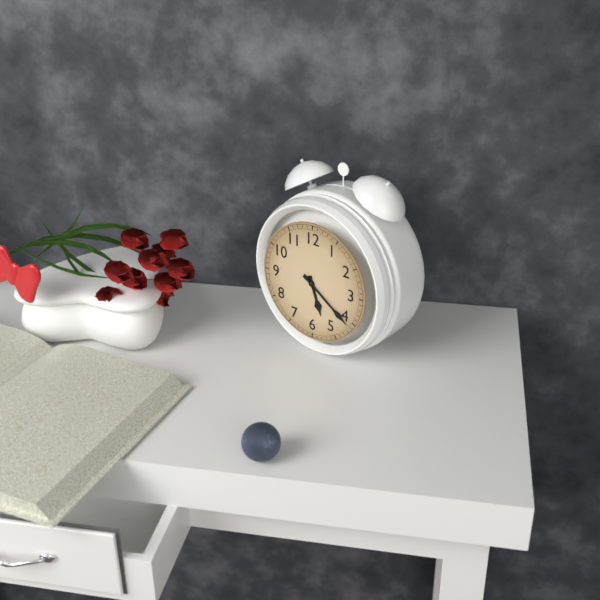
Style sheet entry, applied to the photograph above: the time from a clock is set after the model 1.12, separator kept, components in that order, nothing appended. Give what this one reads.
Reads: 5.21
